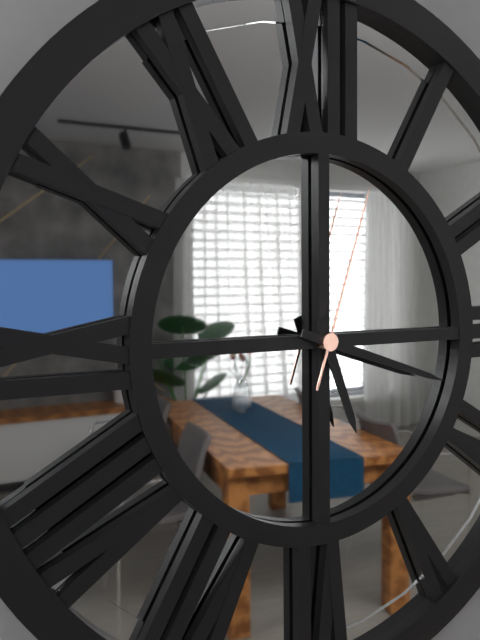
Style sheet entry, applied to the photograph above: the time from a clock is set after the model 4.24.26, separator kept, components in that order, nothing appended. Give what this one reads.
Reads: 5.18.03
